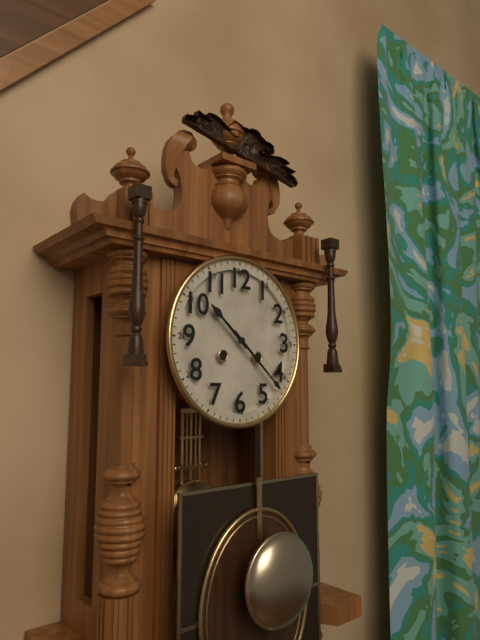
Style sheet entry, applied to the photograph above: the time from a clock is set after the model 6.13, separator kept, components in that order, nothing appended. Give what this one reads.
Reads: 10.22
